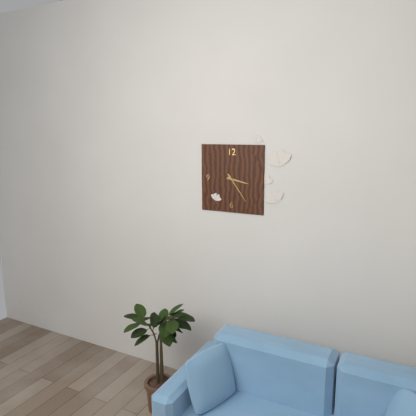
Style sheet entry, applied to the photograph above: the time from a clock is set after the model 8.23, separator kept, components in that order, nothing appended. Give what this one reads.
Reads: 3.24
